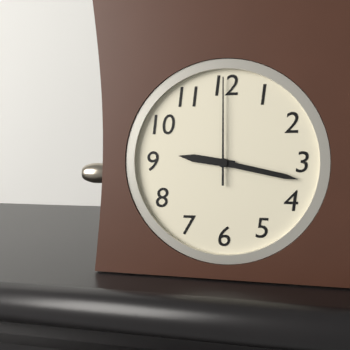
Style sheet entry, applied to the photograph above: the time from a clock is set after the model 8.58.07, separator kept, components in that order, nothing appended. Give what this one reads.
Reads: 9.17.00
